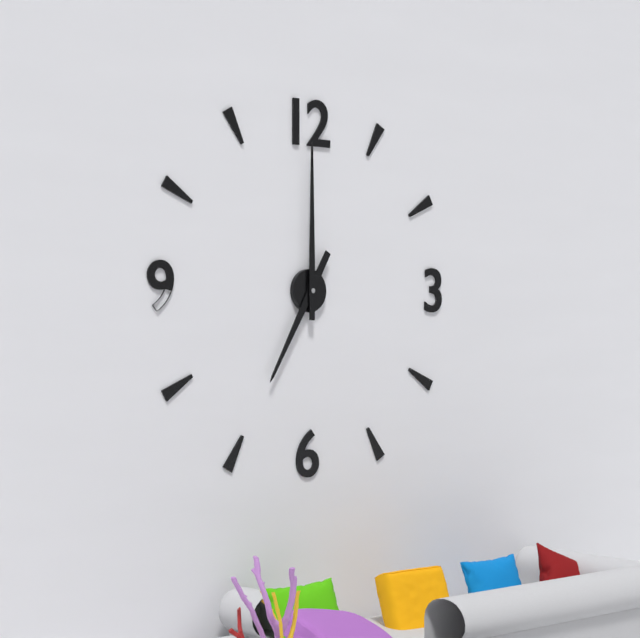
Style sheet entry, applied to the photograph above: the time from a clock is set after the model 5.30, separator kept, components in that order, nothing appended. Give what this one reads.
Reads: 7.00
